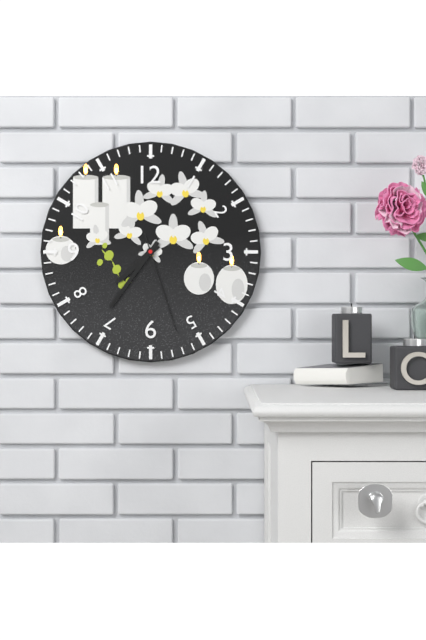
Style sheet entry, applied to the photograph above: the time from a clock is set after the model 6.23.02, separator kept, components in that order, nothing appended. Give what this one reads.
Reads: 7.36.27
